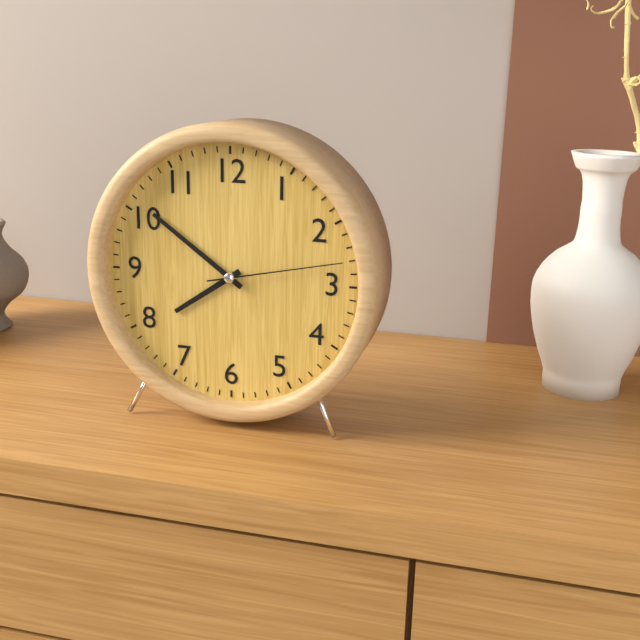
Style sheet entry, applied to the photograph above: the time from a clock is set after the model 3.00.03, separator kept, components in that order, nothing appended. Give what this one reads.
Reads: 7.51.13
